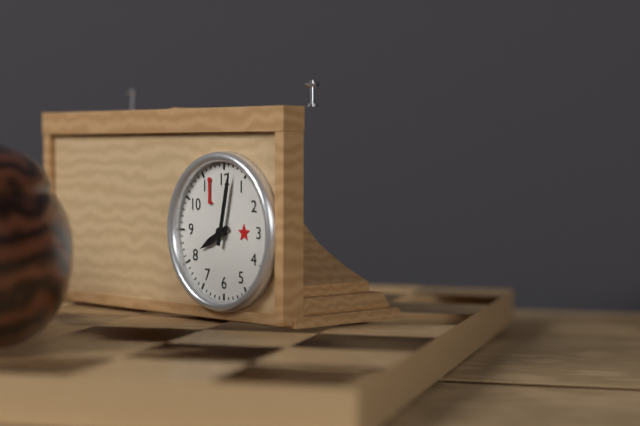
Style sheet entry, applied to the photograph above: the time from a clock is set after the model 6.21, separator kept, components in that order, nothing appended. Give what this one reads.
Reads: 8.02
